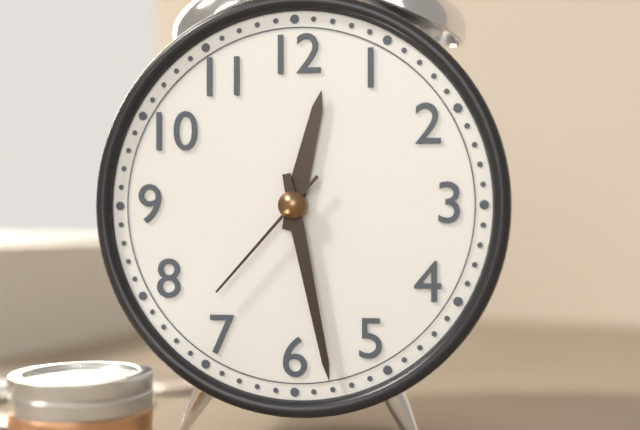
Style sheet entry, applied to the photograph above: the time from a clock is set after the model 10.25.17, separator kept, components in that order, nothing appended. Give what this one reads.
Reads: 12.28.37
